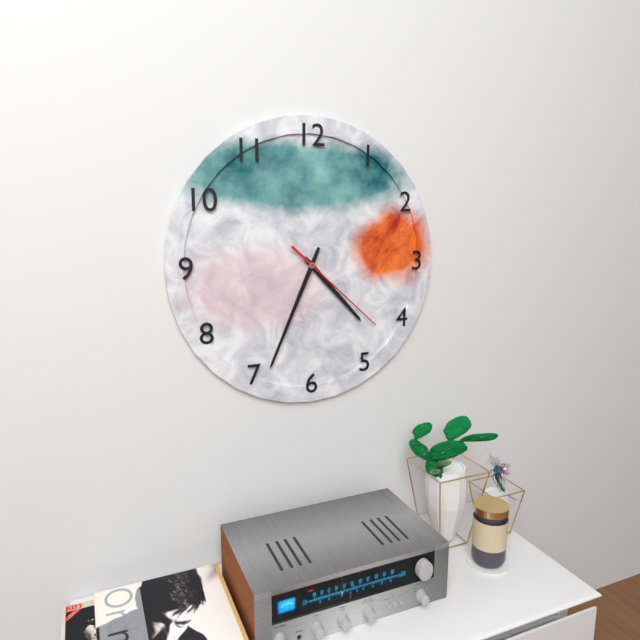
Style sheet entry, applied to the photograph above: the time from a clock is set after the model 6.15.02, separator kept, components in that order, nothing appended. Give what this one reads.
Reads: 4.34.22
